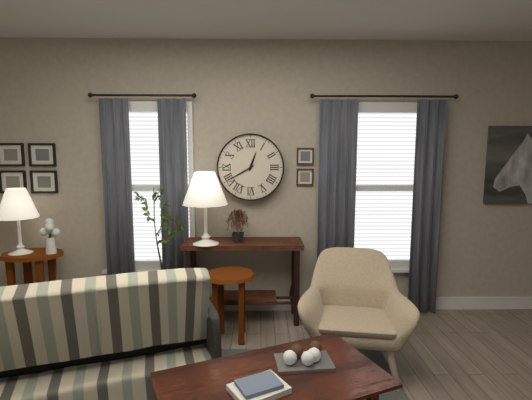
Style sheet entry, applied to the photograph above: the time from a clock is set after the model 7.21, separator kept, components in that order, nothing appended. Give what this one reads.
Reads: 12.40
